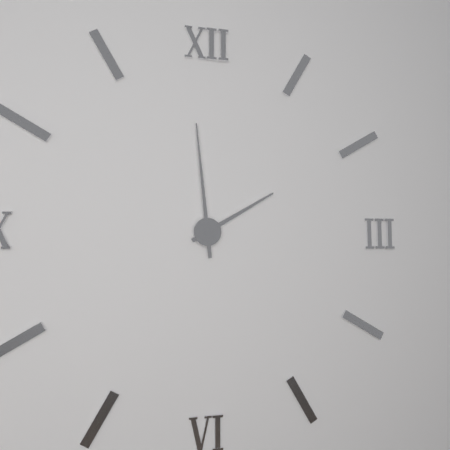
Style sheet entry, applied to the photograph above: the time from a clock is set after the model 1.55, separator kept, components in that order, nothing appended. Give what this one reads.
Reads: 1.59
